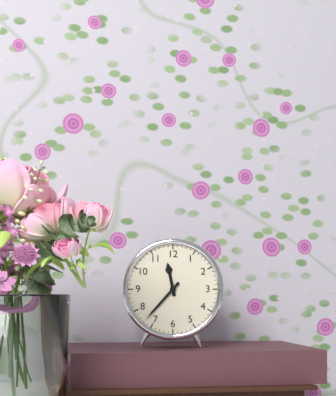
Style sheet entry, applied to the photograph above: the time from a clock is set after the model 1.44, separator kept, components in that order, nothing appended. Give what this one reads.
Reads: 11.37
